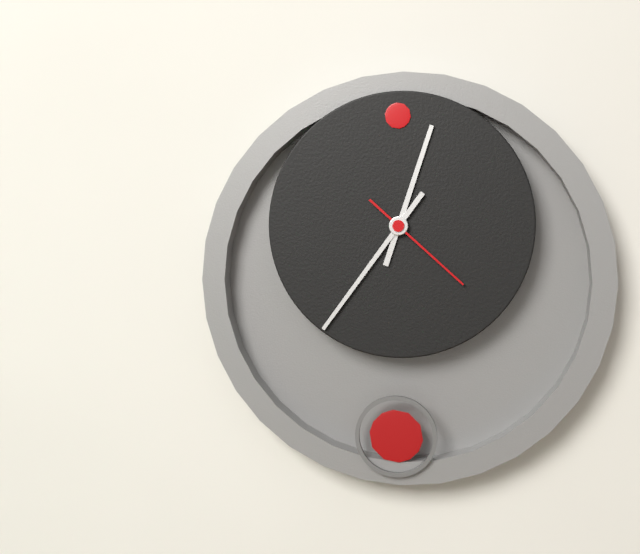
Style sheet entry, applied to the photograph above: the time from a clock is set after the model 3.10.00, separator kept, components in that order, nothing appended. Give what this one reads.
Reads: 12.36.22
